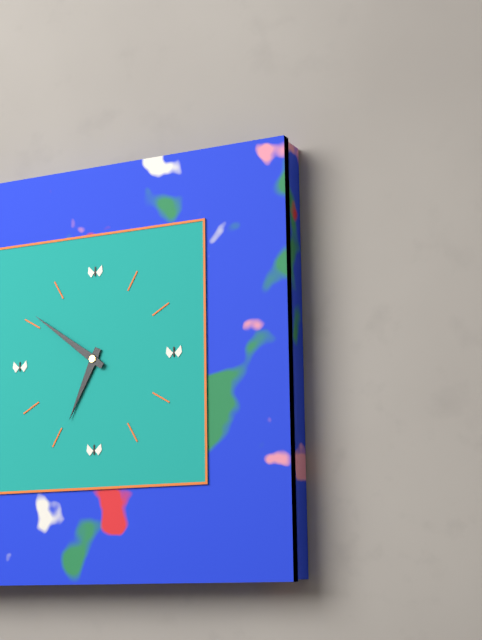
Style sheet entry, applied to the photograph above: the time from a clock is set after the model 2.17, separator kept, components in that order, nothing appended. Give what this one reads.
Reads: 6.51
